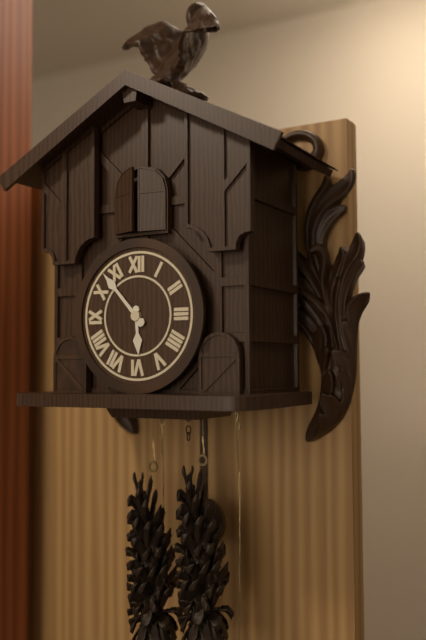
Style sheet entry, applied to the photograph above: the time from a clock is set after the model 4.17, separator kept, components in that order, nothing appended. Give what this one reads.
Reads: 5.53
